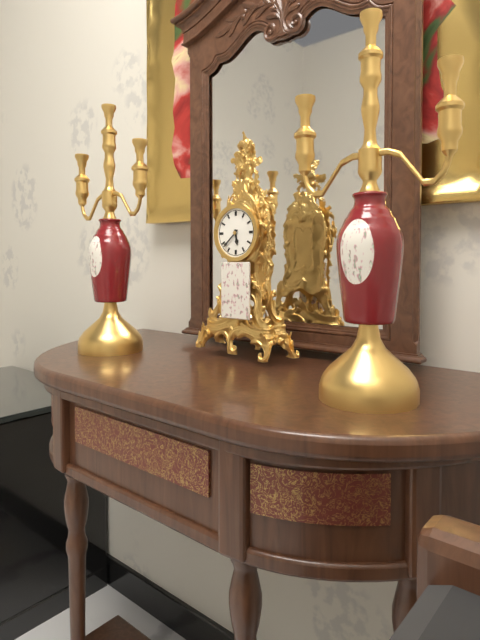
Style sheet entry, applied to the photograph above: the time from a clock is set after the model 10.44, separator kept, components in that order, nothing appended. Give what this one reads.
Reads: 5.38
